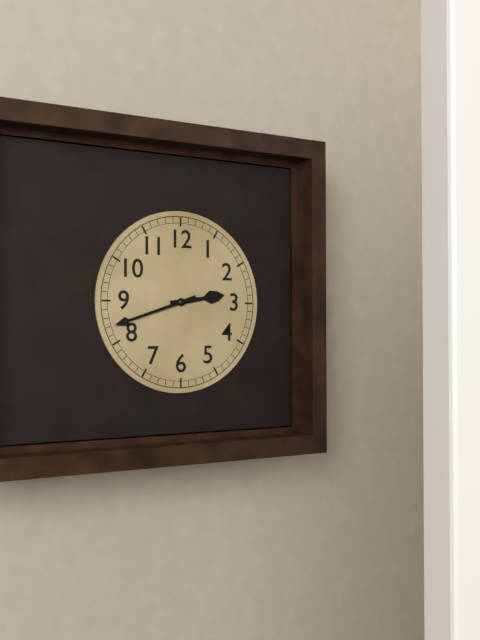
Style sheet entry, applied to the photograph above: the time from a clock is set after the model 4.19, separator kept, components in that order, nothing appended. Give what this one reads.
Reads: 2.42
